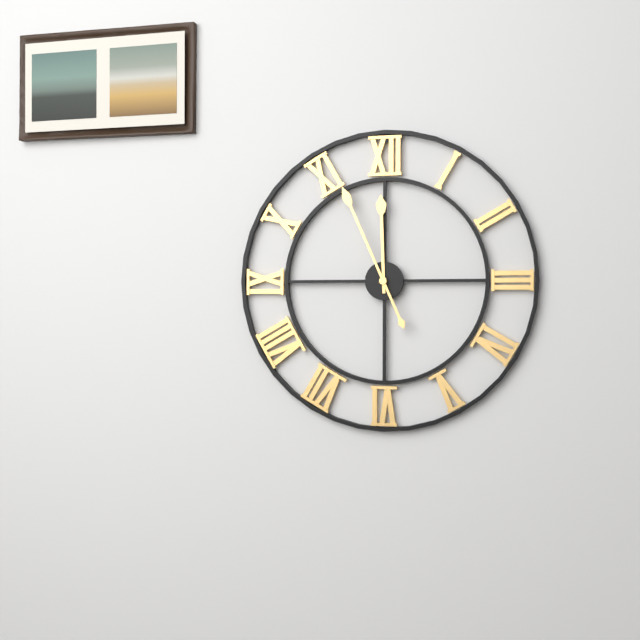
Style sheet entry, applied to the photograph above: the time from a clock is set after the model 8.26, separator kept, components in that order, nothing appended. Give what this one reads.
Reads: 11.56
